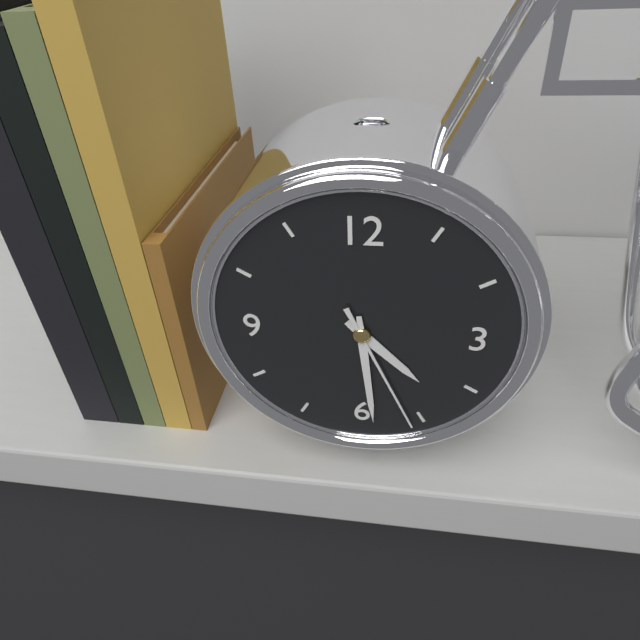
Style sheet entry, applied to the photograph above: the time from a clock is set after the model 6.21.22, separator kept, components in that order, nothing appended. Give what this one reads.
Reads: 4.29.26
